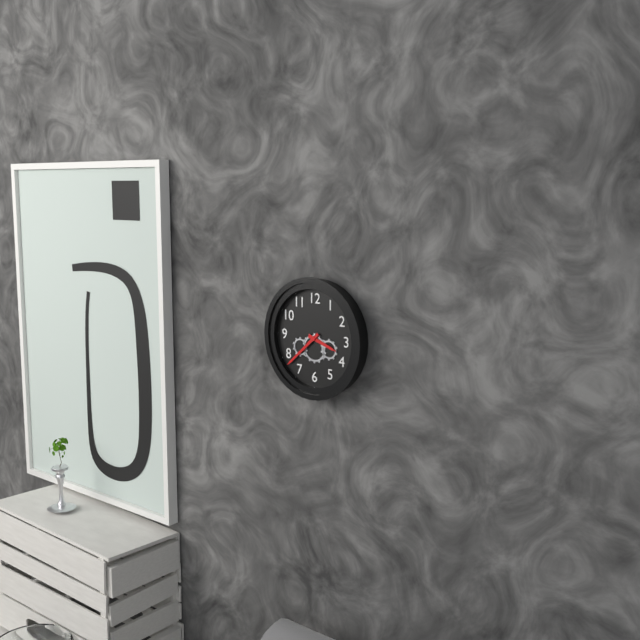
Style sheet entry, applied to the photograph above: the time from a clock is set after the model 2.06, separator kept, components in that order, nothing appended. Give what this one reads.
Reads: 3.38
